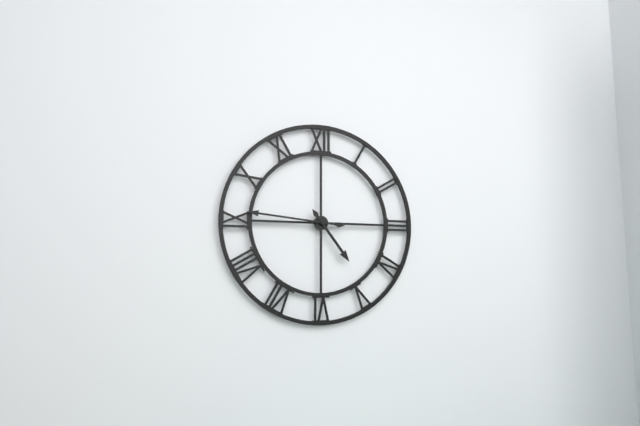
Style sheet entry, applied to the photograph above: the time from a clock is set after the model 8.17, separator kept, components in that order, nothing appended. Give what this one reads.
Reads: 4.46
